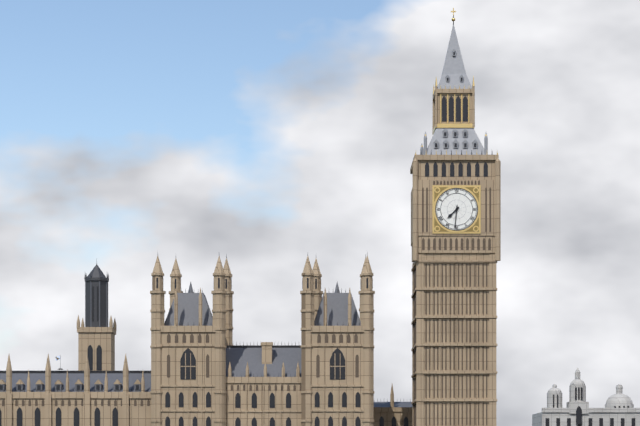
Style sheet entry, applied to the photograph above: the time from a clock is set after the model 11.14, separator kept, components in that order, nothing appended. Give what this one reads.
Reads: 7.31
